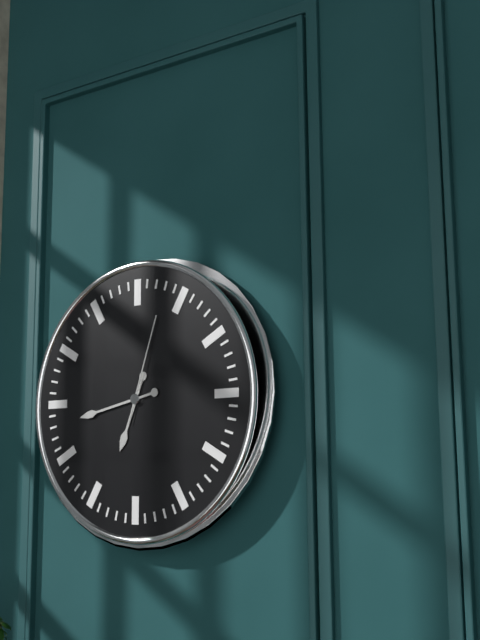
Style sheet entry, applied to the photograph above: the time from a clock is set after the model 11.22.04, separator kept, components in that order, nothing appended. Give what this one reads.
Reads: 6.43.03
